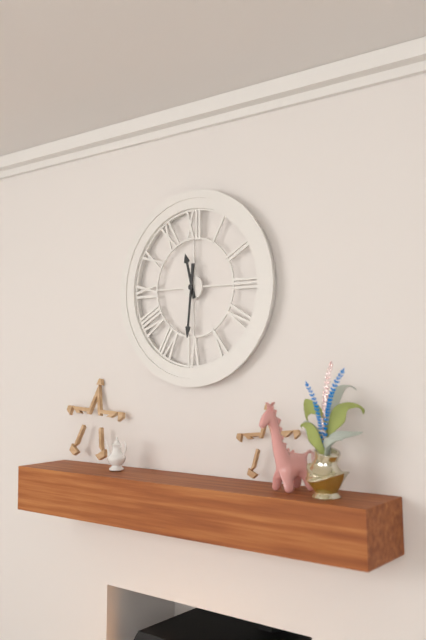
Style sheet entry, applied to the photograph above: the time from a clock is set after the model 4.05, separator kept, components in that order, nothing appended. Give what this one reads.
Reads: 11.31
